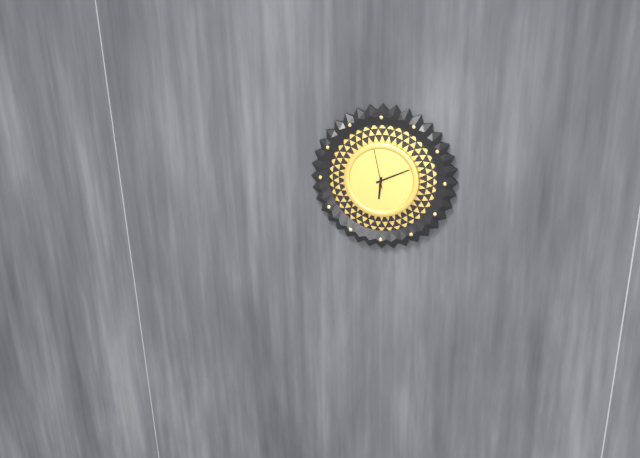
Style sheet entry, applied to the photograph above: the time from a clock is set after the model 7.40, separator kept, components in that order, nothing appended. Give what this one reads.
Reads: 6.11
